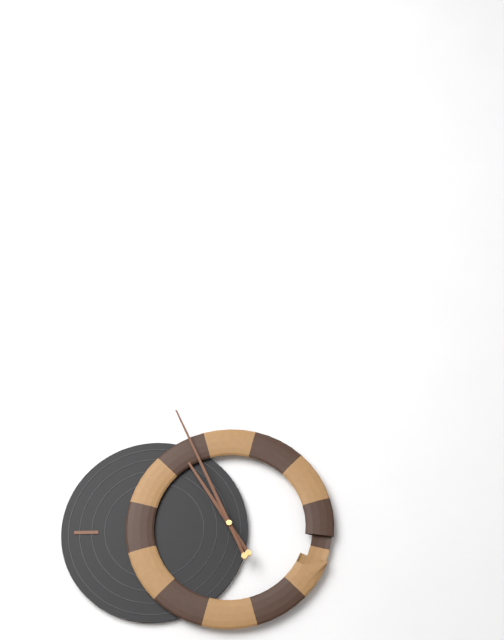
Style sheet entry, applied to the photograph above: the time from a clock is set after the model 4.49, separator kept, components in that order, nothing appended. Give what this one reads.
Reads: 10.56
